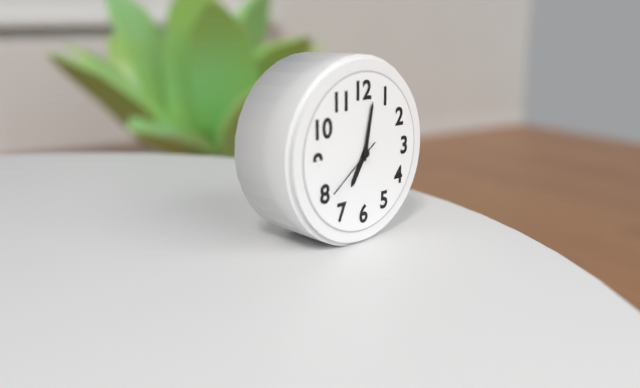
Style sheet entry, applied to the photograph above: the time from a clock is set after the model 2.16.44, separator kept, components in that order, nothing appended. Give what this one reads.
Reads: 7.02.39
